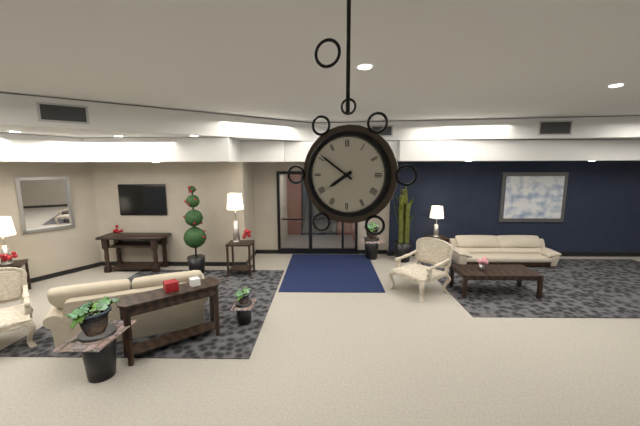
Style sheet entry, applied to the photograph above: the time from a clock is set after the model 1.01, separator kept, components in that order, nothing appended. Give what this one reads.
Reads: 7.51
